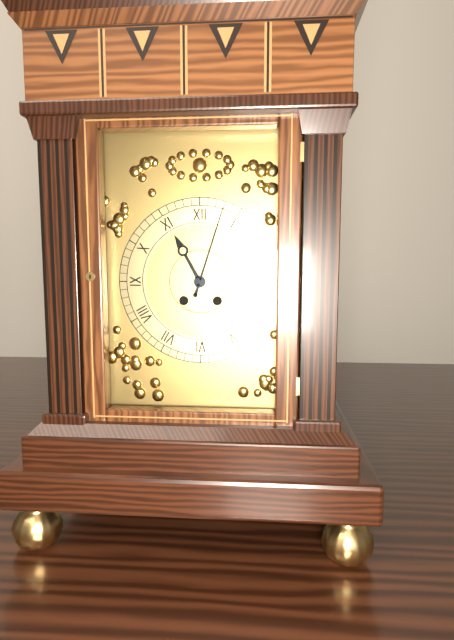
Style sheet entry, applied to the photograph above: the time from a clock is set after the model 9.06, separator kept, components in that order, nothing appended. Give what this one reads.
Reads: 11.03
